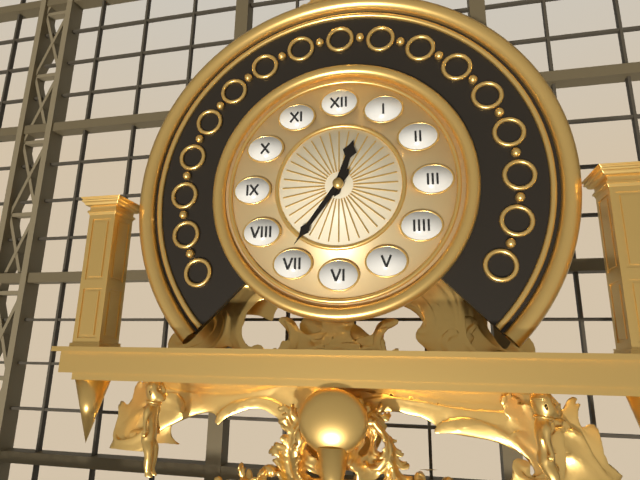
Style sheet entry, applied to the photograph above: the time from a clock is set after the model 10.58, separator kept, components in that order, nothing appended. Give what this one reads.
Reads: 12.36
